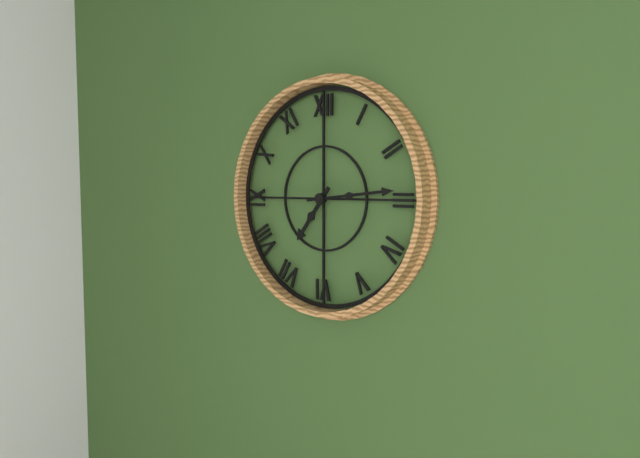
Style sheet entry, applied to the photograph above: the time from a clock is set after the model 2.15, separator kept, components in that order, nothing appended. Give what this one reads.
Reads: 7.14
